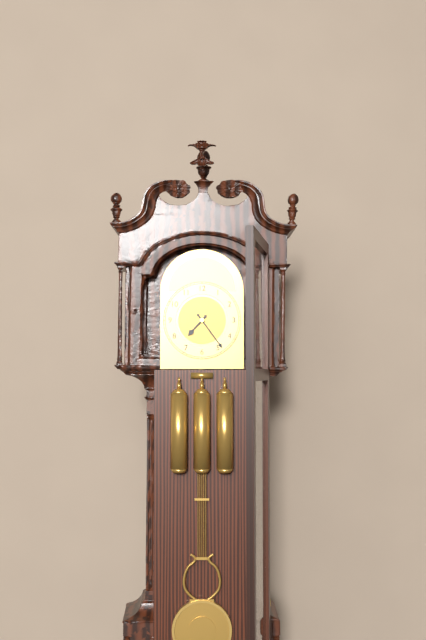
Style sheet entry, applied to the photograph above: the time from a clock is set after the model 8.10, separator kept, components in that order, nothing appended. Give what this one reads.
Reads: 7.24
